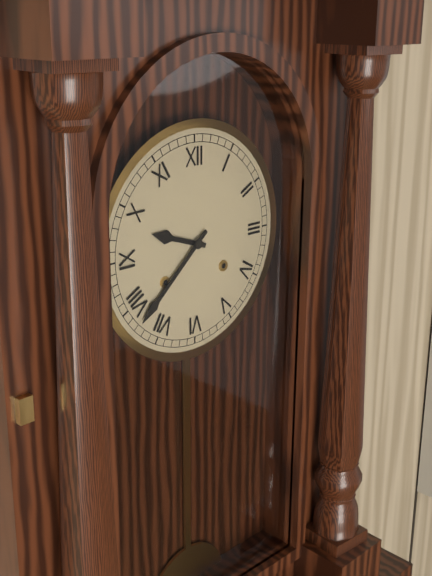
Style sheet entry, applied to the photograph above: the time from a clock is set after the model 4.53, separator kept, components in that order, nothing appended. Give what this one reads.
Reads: 9.38
